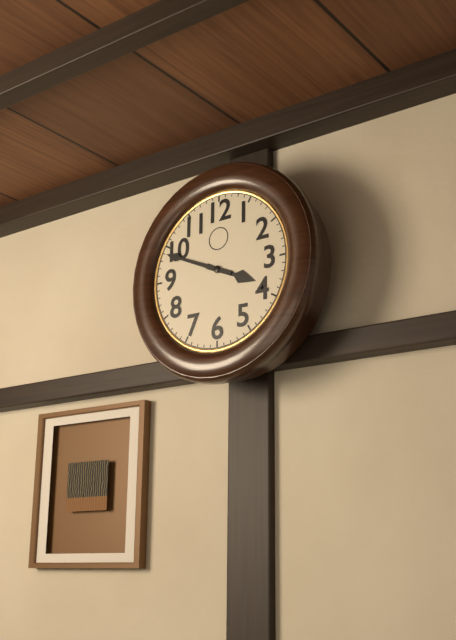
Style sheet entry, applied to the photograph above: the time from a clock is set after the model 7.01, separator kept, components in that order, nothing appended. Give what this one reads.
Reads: 3.49
